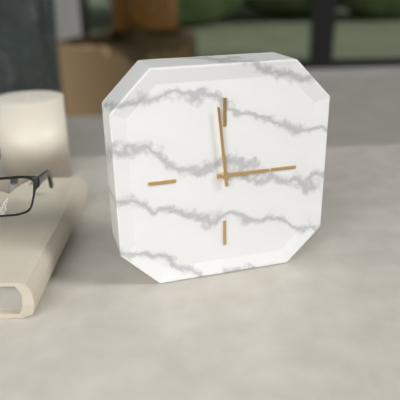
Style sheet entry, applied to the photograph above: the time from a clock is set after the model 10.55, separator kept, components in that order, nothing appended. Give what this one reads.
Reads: 2.59
